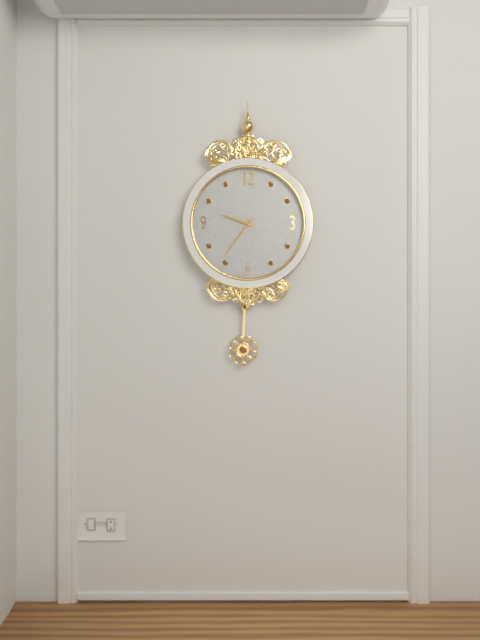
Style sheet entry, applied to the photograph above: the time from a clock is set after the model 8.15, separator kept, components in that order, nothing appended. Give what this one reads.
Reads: 9.36
